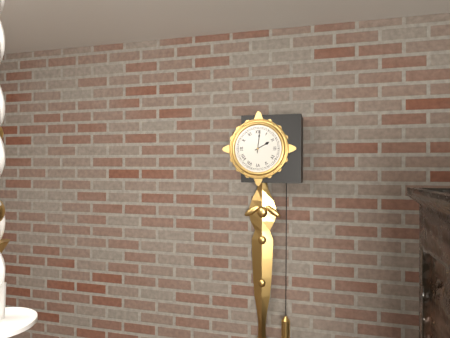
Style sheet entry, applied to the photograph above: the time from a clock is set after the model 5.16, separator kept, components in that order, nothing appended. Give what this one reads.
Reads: 2.01
